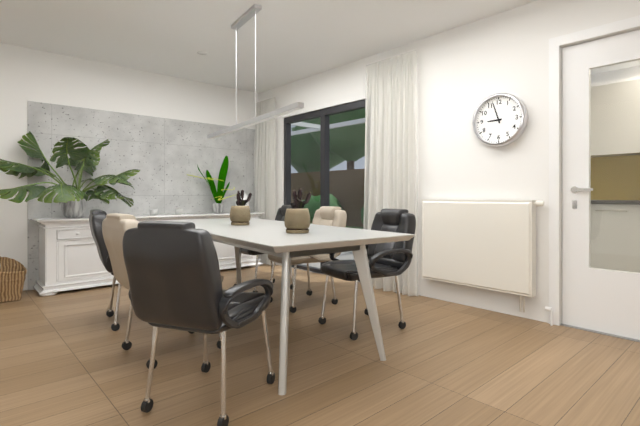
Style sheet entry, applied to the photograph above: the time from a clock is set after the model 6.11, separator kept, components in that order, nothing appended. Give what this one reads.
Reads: 8.57
